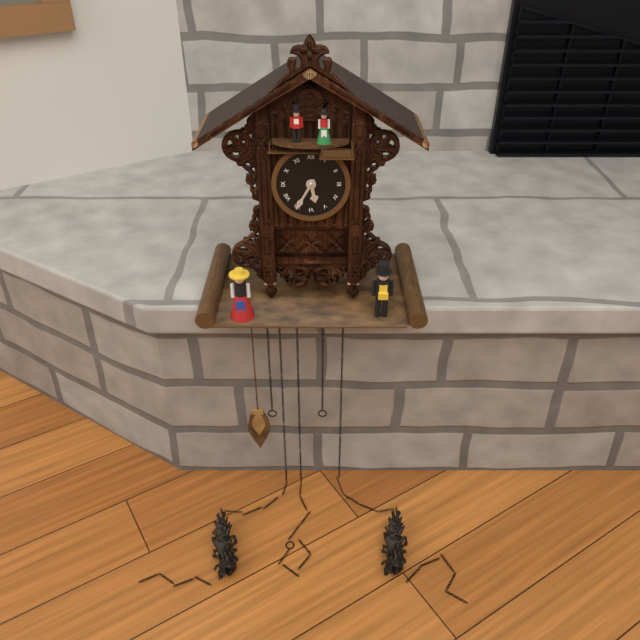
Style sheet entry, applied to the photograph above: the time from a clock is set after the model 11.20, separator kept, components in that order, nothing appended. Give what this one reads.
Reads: 5.35
